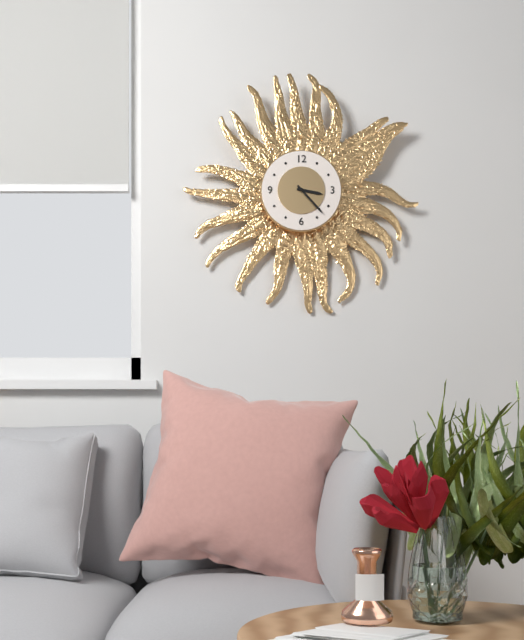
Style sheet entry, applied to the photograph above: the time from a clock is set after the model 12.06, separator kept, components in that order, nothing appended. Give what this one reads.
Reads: 3.23
